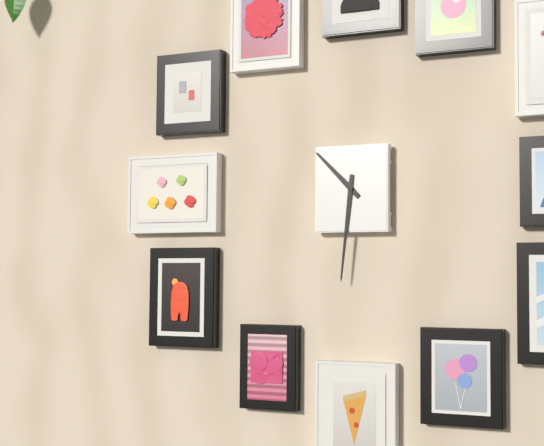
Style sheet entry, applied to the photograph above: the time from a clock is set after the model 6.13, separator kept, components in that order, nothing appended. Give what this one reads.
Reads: 10.31
